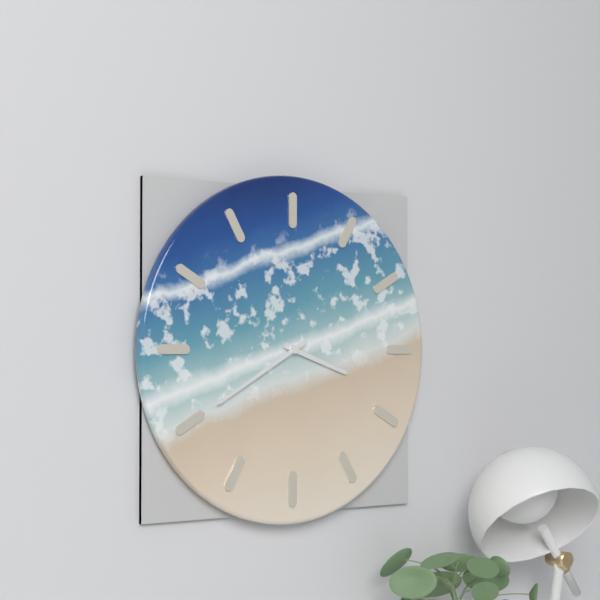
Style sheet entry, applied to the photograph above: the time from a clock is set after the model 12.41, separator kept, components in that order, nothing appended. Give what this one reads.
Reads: 3.40
